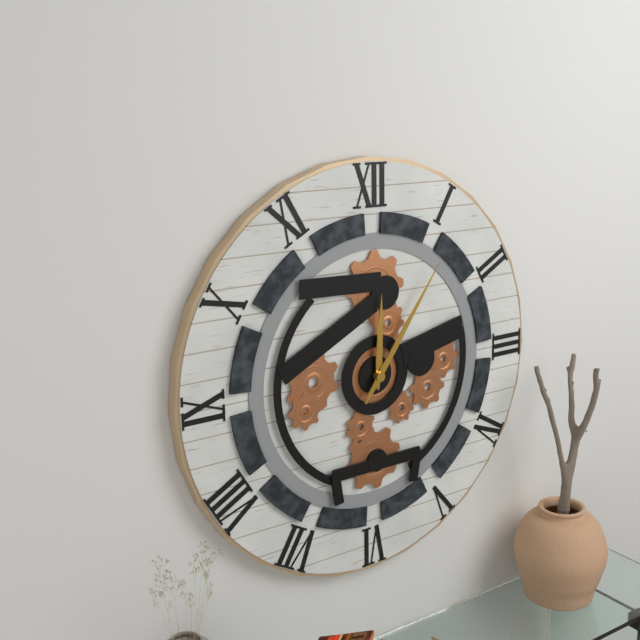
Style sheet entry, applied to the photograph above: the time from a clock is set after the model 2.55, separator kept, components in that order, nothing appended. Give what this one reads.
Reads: 12.06
